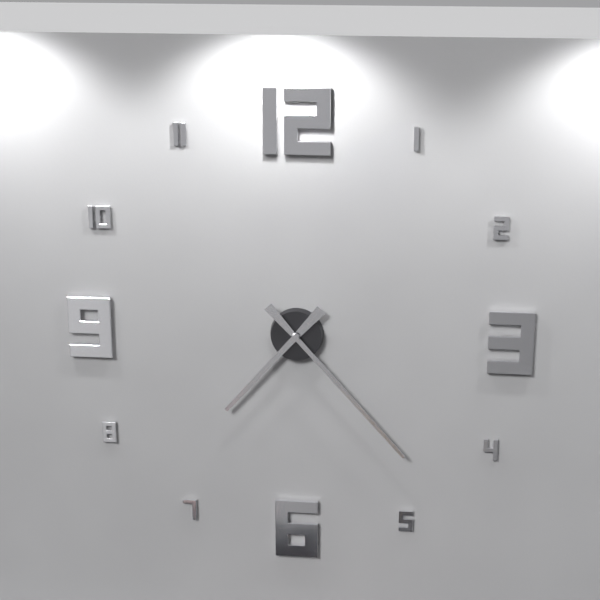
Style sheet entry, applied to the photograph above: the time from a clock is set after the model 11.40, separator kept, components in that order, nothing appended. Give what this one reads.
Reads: 7.23
